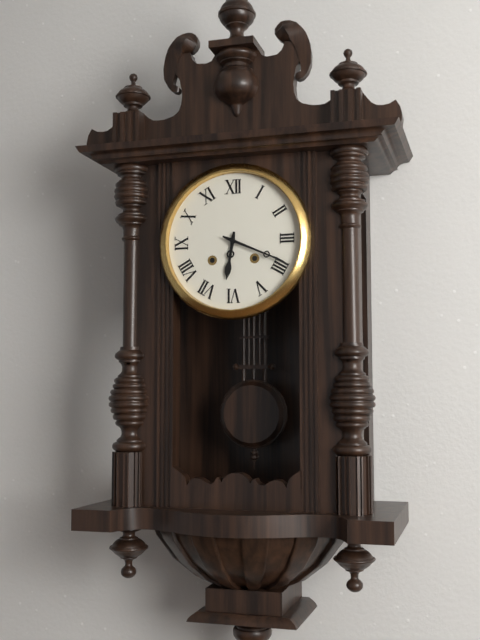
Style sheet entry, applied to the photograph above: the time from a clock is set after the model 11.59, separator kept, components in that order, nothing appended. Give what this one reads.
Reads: 6.19
